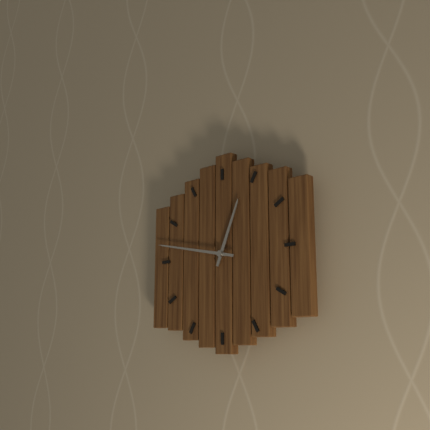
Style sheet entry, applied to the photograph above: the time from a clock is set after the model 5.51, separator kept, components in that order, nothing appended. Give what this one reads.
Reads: 12.47
